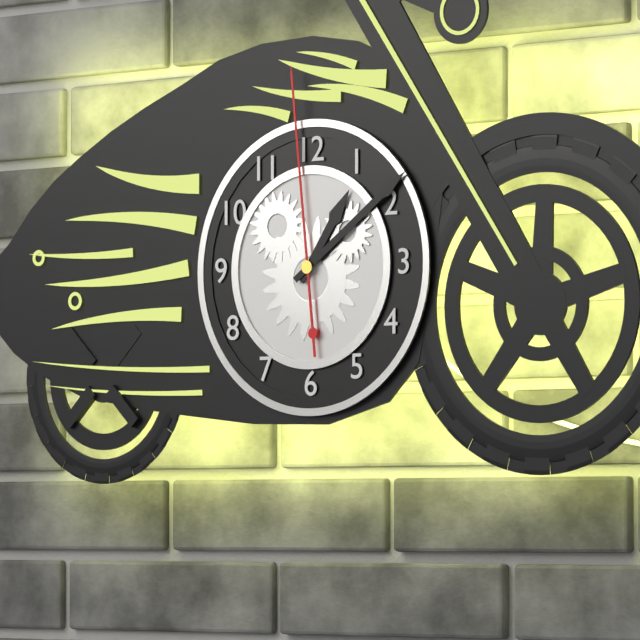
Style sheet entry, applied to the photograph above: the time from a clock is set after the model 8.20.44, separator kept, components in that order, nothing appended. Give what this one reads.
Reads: 1.09.59
